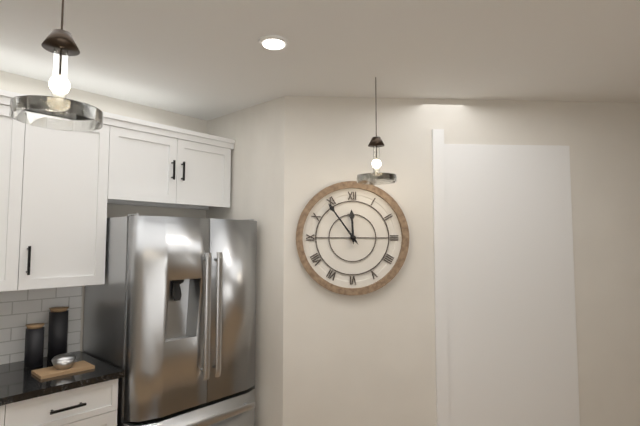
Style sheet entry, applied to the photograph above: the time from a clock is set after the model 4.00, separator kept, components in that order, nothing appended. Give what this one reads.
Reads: 11.54
